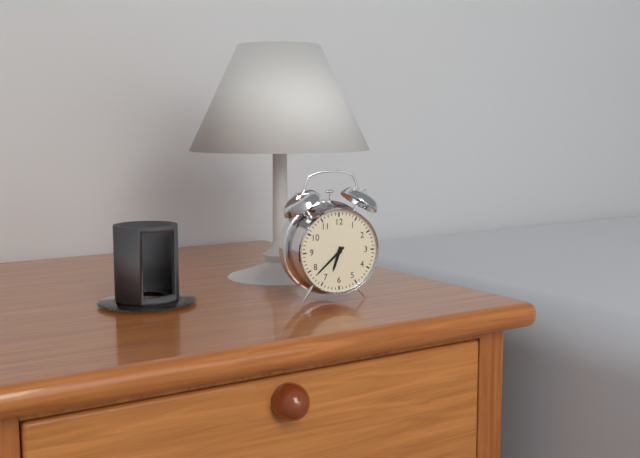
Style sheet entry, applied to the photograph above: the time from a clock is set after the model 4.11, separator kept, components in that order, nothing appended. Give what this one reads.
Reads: 6.38
